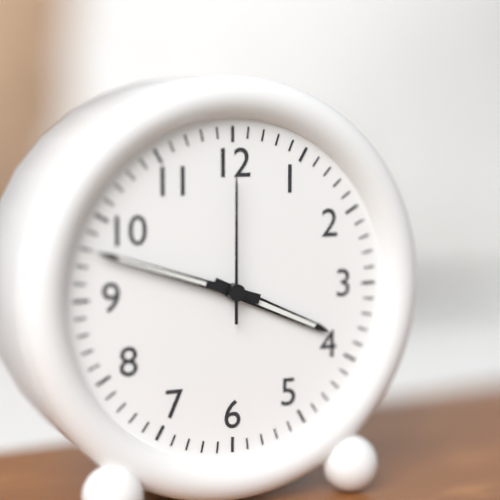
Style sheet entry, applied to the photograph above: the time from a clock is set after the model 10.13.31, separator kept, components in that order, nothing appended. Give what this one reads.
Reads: 3.48.00
